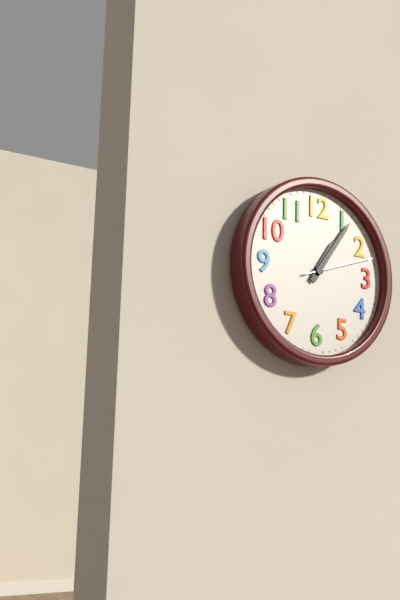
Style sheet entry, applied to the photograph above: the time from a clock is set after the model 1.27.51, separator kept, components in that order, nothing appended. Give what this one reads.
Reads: 1.06.12
